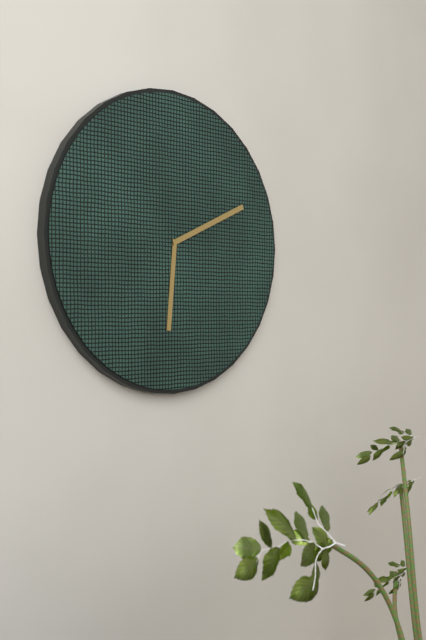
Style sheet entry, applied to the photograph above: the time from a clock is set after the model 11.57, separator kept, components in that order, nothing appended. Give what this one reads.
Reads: 6.11
